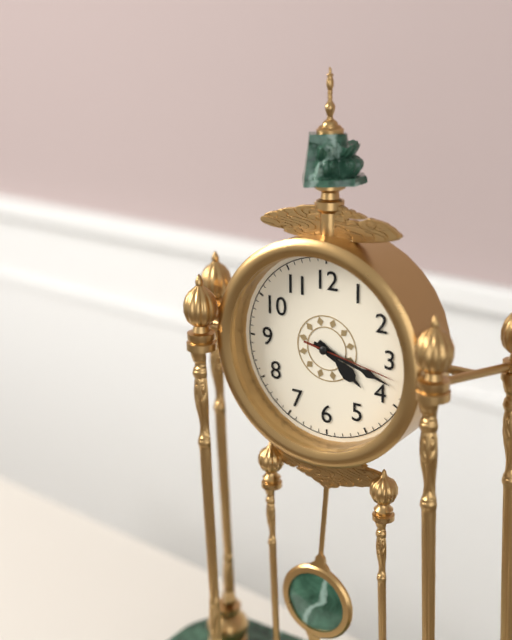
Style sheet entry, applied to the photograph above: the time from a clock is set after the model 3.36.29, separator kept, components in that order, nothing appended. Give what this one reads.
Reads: 4.18.17
